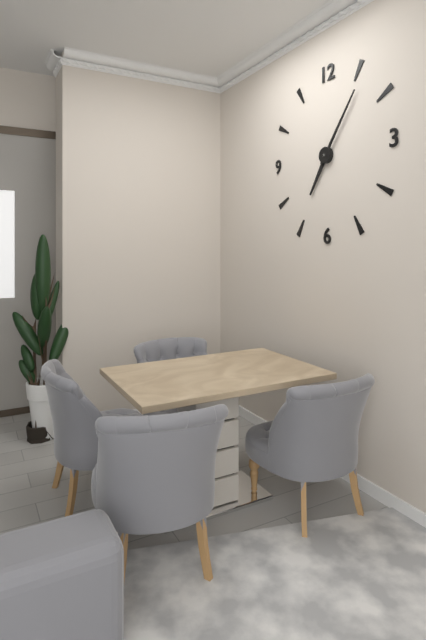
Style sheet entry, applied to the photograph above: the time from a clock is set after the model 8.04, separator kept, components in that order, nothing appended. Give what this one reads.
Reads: 7.06
